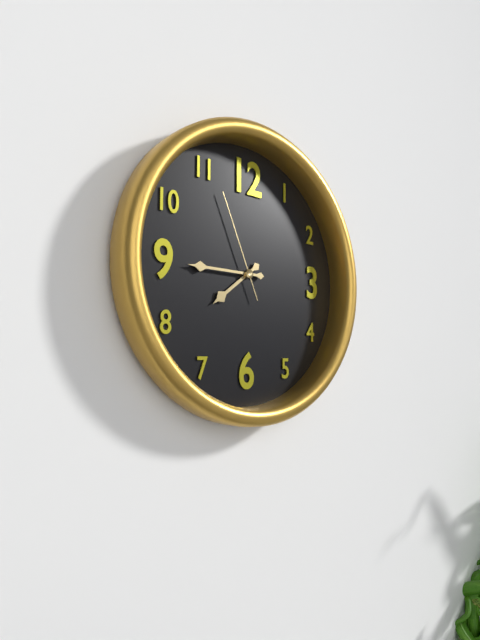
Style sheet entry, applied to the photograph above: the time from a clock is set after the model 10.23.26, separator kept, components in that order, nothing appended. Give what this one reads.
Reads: 7.45.56
